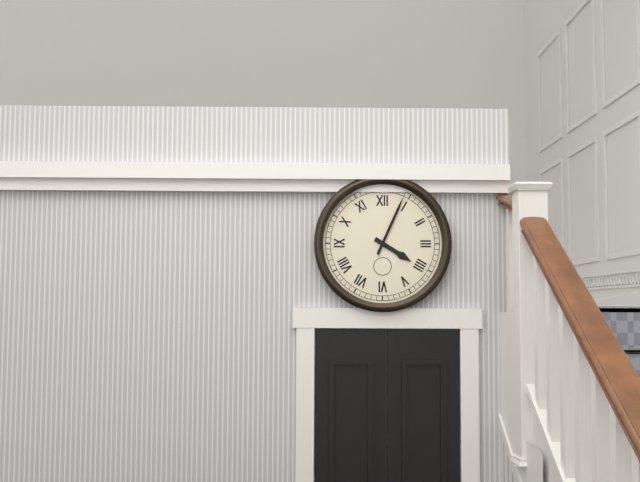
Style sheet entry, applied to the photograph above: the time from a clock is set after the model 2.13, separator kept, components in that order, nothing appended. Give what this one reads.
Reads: 4.04
